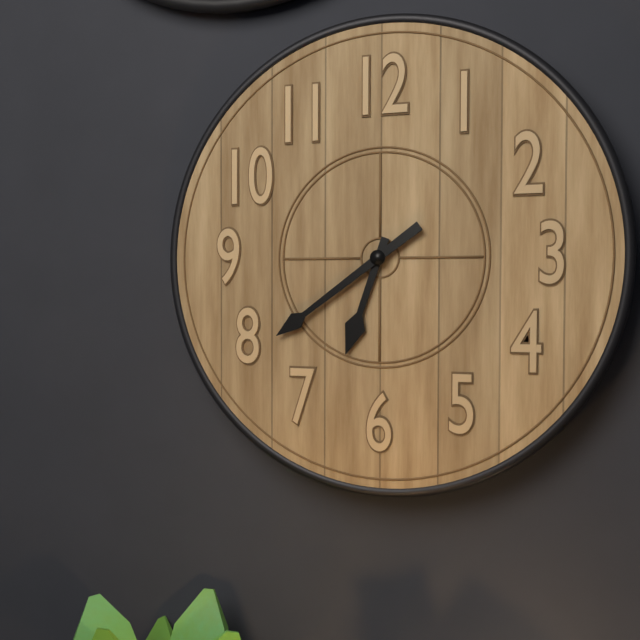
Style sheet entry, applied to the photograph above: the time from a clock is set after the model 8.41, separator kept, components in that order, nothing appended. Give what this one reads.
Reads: 6.39
